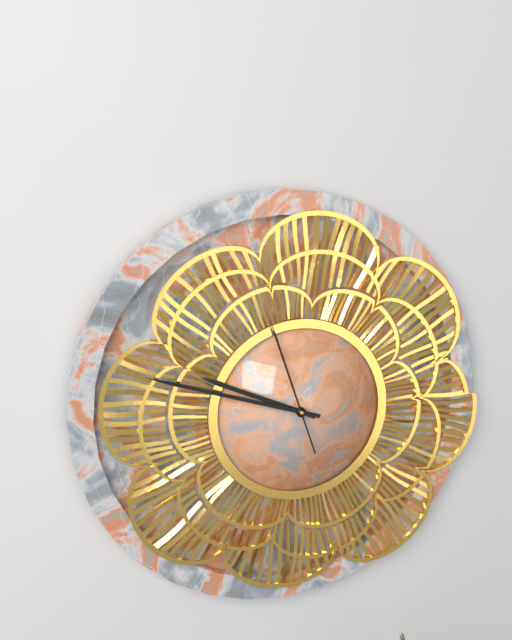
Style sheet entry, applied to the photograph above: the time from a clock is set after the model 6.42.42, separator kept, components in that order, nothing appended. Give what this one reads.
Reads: 9.48.57
